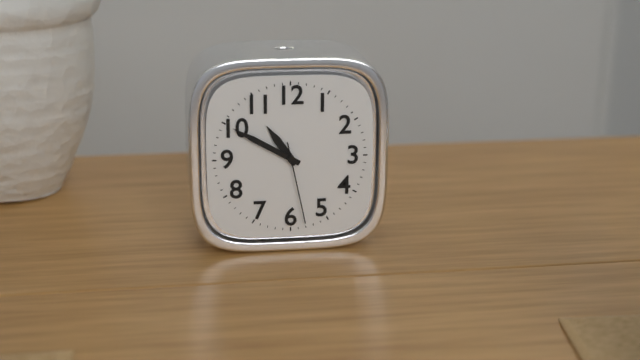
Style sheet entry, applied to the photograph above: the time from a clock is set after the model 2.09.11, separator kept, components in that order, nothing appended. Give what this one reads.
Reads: 10.50.28
